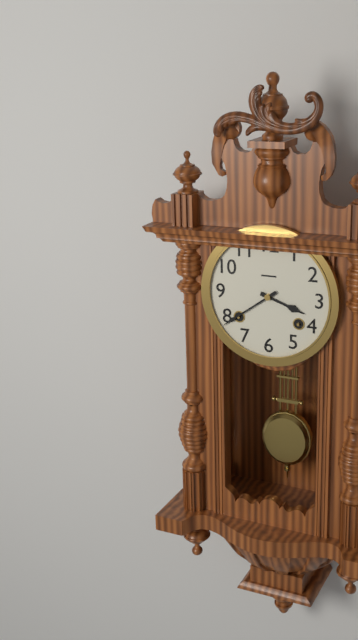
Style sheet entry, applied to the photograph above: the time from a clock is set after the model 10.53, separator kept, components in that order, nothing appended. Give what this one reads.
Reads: 3.39
